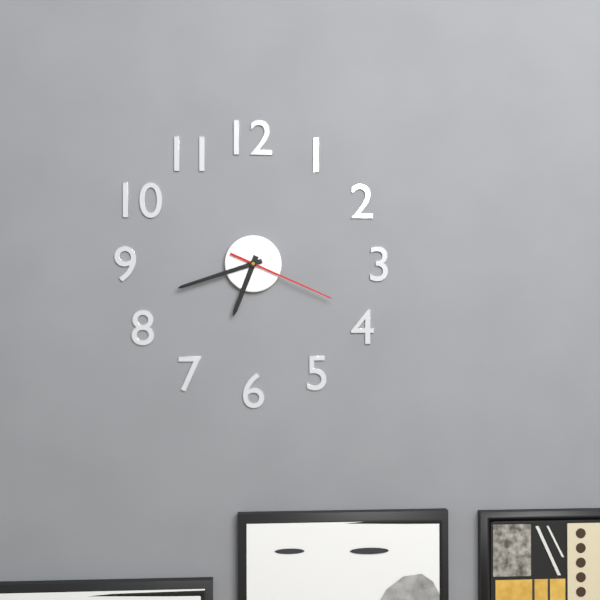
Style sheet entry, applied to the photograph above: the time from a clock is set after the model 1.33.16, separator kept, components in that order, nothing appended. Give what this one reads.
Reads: 6.42.19
